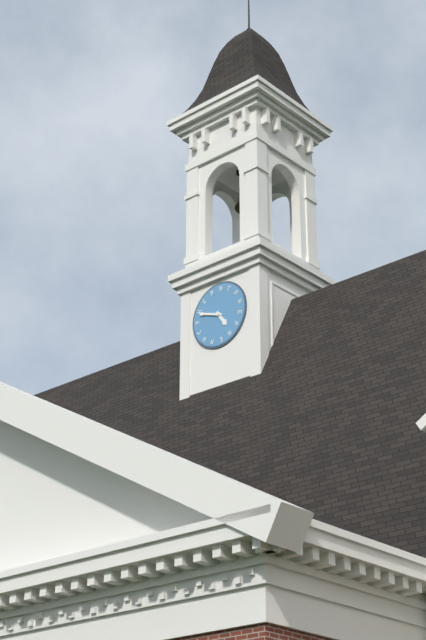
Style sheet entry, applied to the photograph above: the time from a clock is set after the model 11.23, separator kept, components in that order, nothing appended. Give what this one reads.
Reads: 4.48
